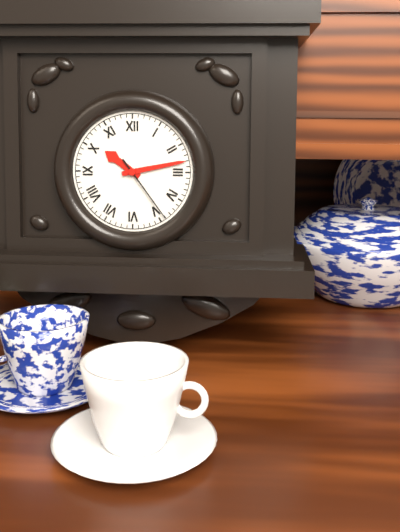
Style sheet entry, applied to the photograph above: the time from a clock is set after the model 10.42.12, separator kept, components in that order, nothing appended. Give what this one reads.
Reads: 10.13.24
